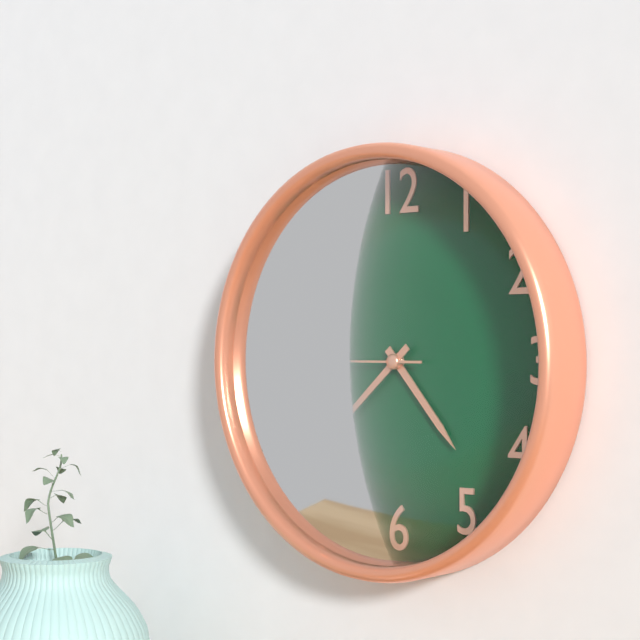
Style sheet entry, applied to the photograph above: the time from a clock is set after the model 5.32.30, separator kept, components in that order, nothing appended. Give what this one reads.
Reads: 4.38.45
